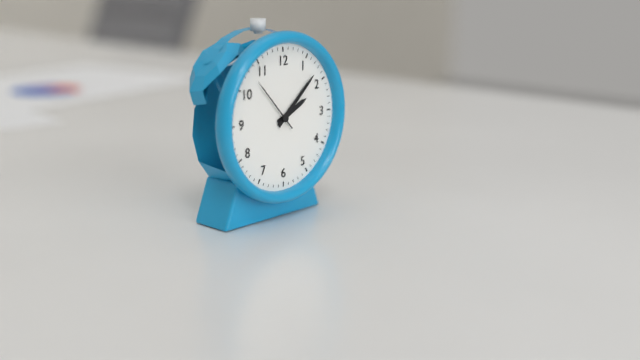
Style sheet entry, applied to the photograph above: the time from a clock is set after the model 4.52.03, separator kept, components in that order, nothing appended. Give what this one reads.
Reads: 2.08.53
